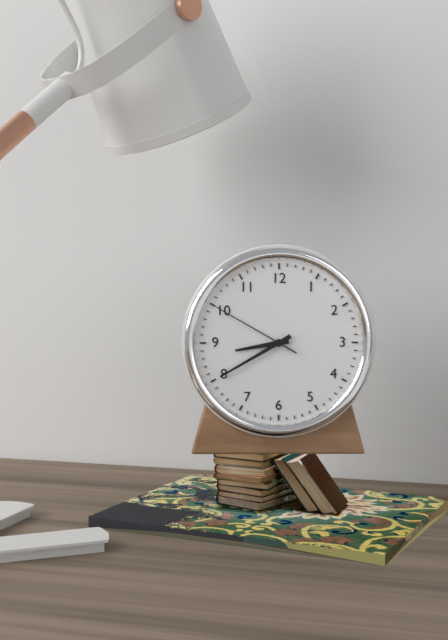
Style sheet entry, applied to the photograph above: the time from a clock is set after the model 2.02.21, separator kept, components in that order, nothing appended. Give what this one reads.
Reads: 8.40.50
